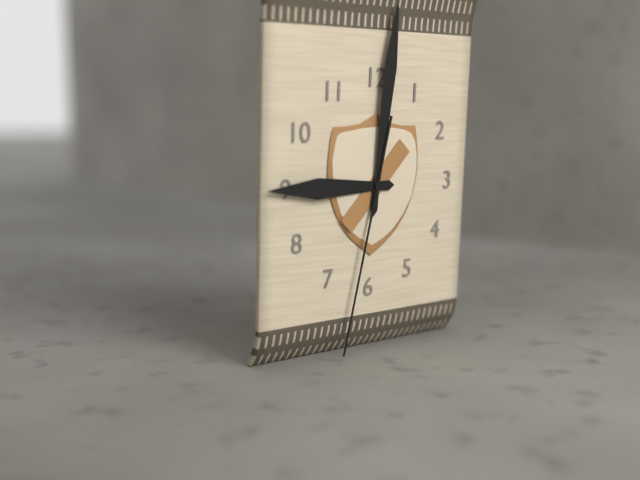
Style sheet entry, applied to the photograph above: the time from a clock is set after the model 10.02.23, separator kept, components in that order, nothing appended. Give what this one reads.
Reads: 9.01.32
